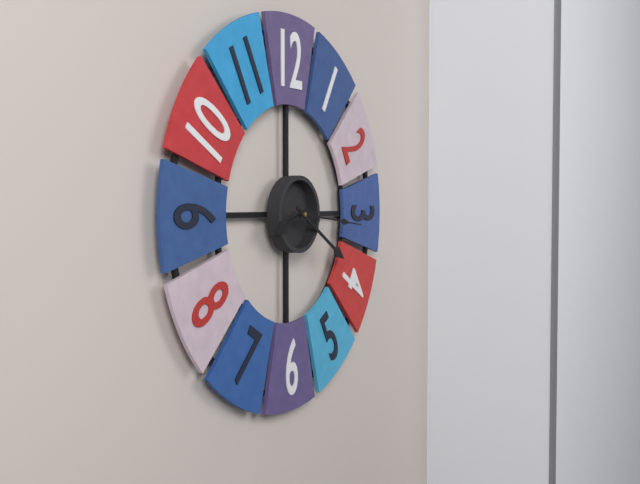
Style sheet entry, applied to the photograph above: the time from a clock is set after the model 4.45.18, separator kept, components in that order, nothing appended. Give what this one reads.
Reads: 8.20.16
